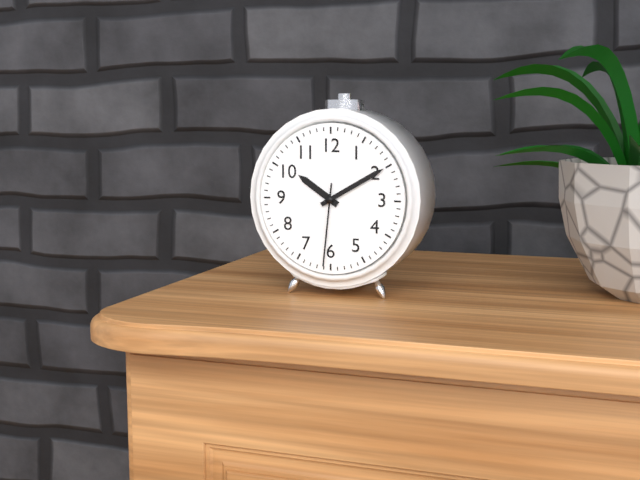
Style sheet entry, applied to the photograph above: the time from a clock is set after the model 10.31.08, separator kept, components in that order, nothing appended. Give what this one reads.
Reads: 10.10.31
